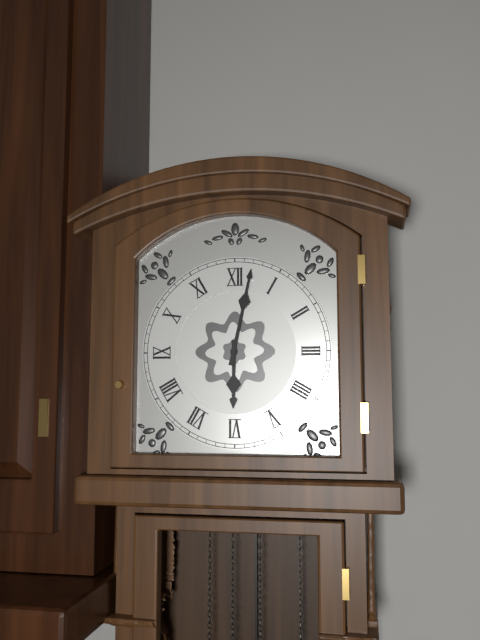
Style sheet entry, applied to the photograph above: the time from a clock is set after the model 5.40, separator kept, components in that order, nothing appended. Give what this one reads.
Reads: 6.02
